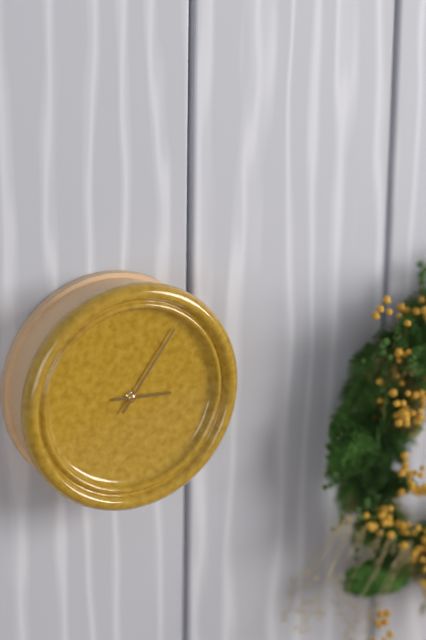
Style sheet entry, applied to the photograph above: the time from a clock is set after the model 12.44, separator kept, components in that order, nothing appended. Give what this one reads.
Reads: 3.06
